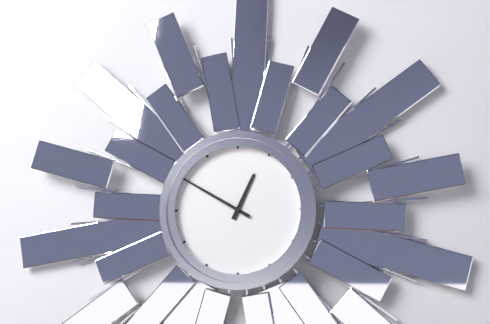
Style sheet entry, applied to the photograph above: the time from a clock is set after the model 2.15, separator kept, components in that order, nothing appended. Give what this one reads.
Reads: 12.50
